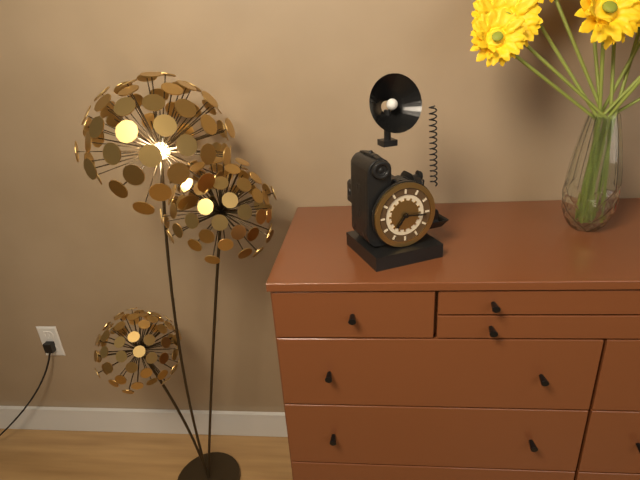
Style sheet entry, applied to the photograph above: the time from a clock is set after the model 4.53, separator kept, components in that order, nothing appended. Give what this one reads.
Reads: 7.16
